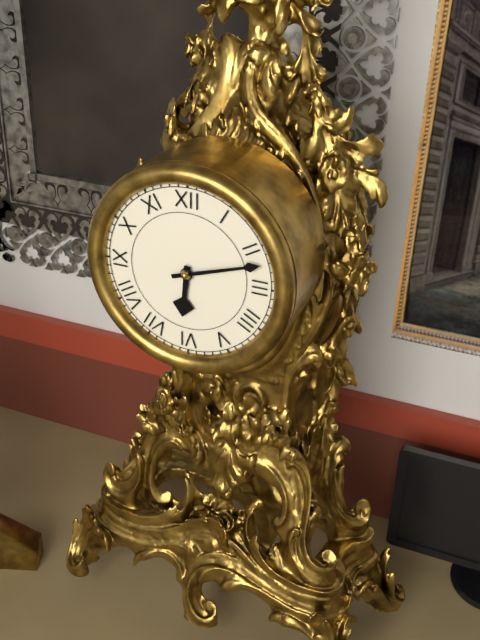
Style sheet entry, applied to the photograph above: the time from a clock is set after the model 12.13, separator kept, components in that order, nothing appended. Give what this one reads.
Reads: 6.12
